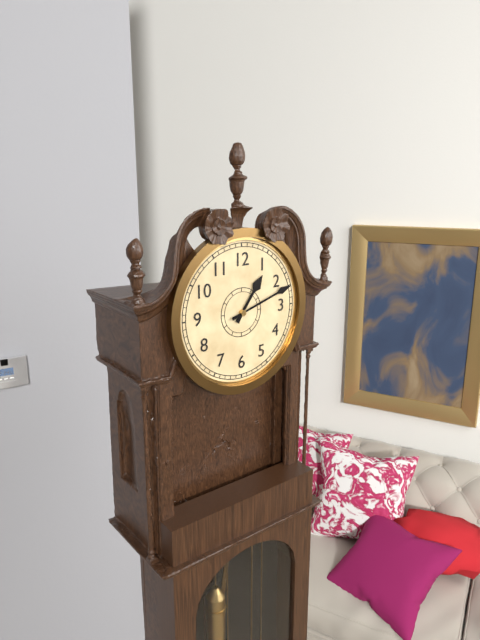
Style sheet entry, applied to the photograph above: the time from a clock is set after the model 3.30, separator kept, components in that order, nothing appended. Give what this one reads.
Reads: 1.12
